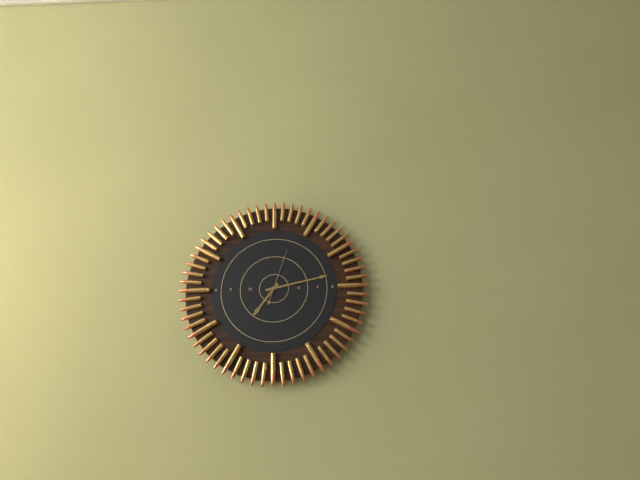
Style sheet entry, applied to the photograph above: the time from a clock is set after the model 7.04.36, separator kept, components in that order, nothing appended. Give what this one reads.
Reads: 7.13.03
